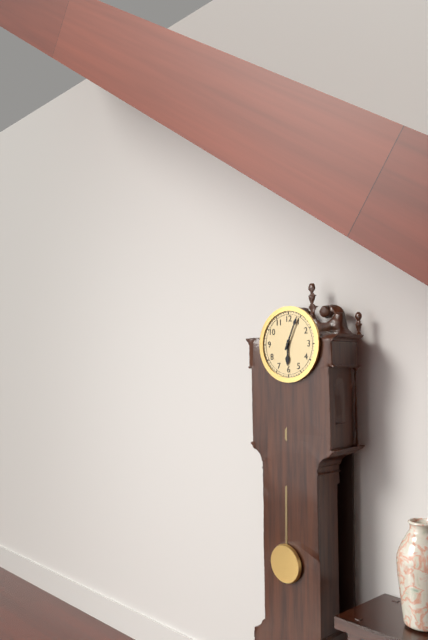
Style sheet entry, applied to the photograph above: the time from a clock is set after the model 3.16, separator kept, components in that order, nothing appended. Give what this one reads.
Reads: 6.04
